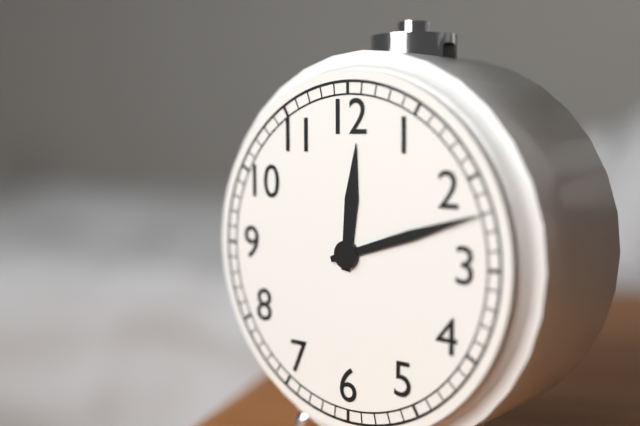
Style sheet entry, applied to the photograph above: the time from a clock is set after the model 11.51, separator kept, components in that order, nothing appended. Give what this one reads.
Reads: 12.12
